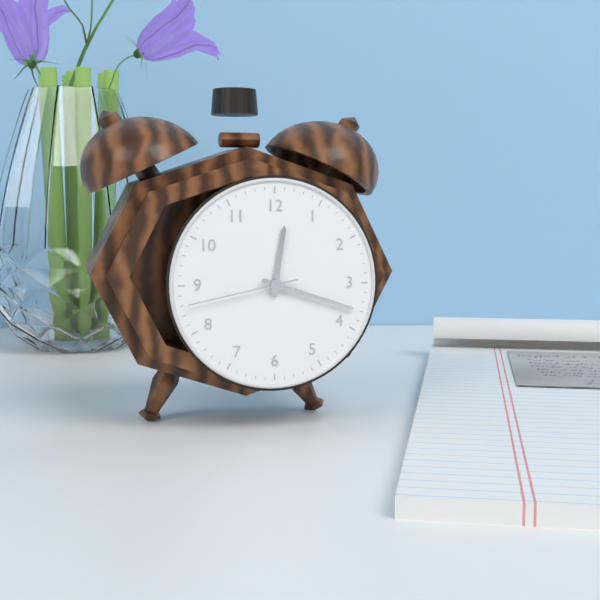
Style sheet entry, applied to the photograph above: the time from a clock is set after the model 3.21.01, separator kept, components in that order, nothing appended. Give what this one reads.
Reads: 12.18.43
